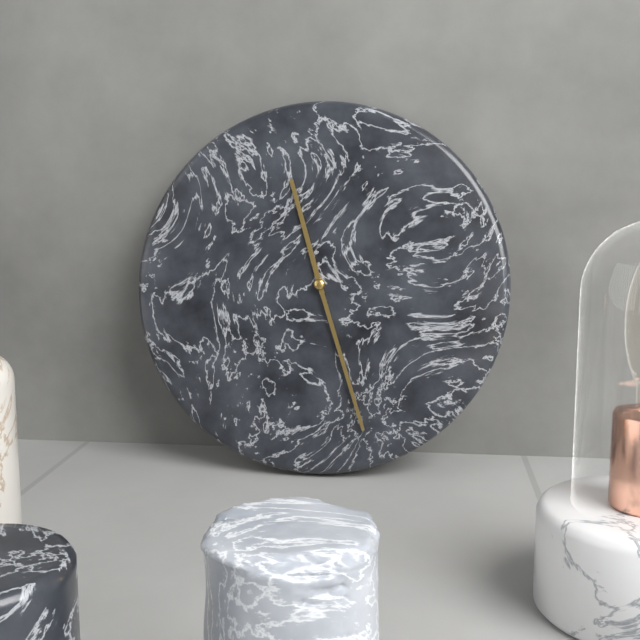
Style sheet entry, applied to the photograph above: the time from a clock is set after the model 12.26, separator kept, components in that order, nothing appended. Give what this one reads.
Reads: 11.27
